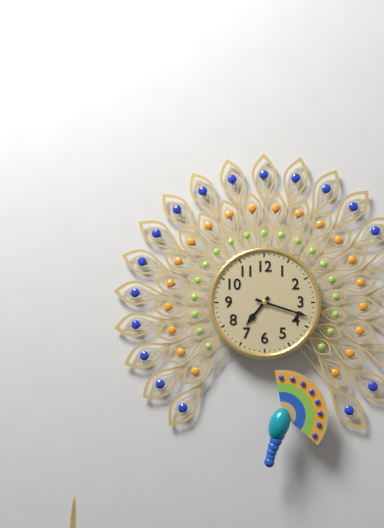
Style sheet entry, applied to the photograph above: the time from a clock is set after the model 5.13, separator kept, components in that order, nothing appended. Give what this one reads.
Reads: 7.18
